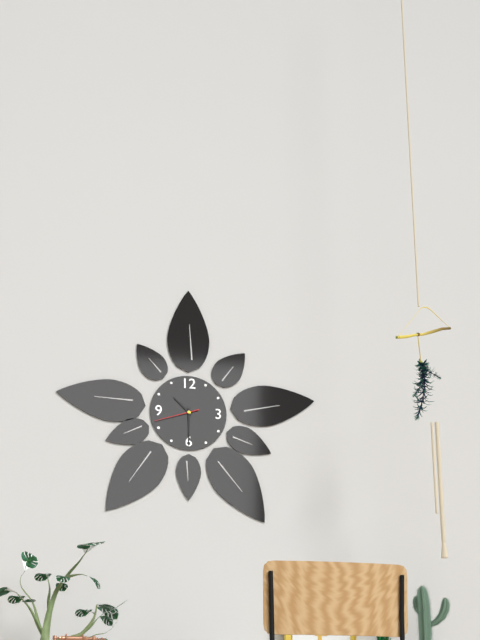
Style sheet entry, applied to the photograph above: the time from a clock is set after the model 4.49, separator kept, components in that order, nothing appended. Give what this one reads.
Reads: 10.30
